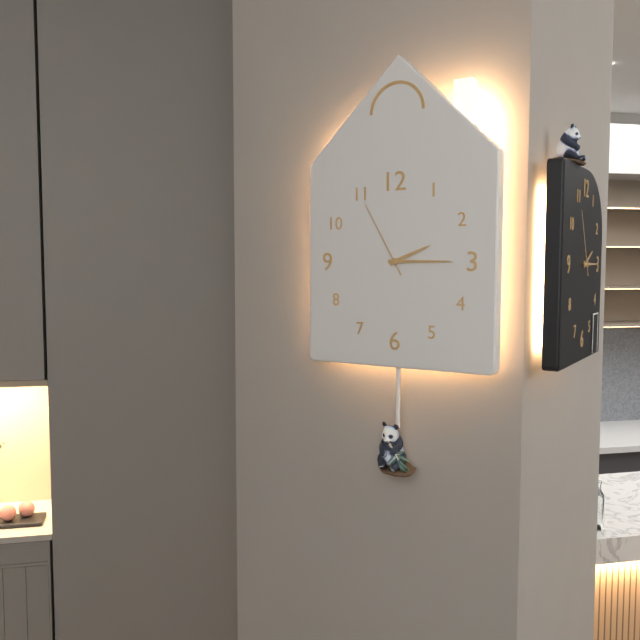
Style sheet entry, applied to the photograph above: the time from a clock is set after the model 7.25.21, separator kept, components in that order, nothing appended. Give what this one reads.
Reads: 2.15.55
